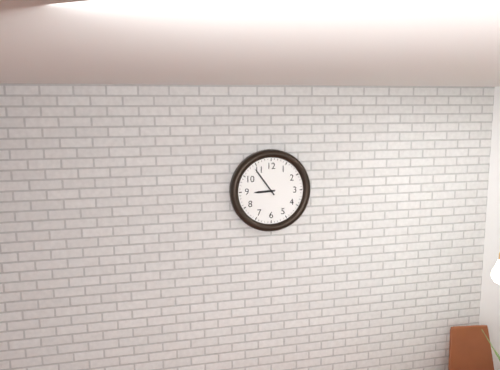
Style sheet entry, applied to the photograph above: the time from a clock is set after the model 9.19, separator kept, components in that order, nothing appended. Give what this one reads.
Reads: 8.54
